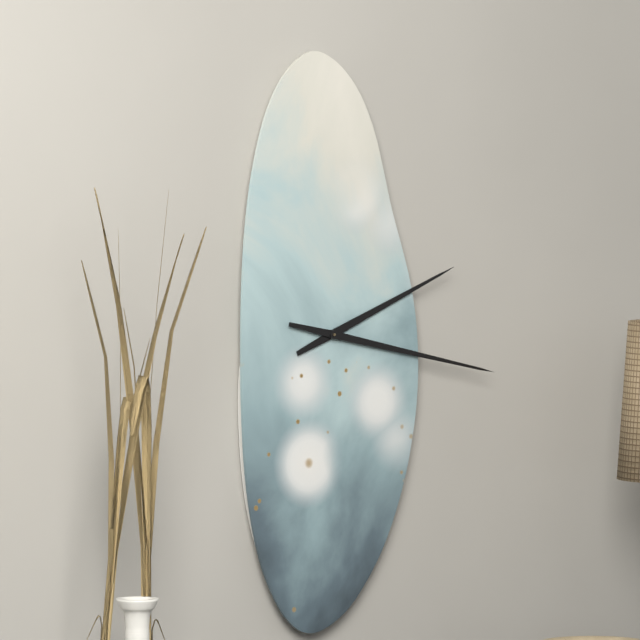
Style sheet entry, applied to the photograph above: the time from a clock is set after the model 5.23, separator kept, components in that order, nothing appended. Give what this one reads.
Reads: 2.17
